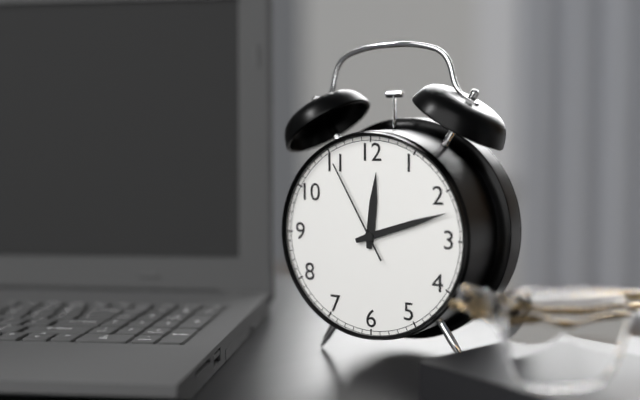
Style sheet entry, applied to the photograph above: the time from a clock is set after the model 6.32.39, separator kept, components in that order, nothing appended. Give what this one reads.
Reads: 12.12.55
